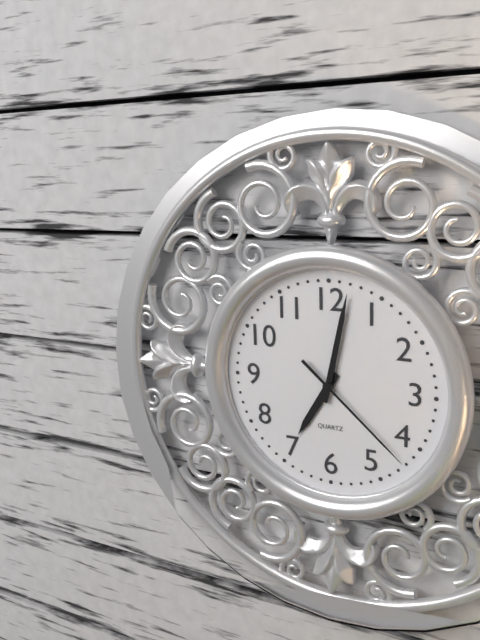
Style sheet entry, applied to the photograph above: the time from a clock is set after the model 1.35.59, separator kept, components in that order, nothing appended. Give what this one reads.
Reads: 7.02.22
